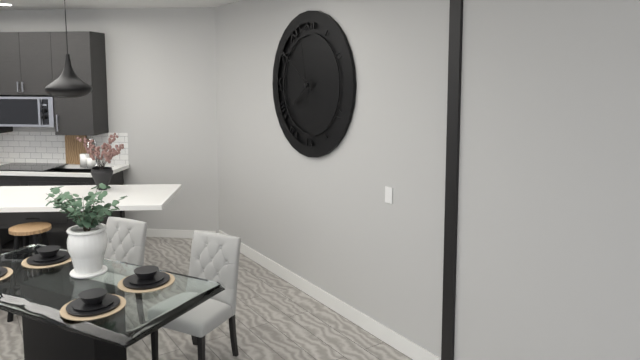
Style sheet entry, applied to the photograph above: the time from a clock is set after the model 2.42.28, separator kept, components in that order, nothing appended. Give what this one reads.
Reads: 7.51.58
